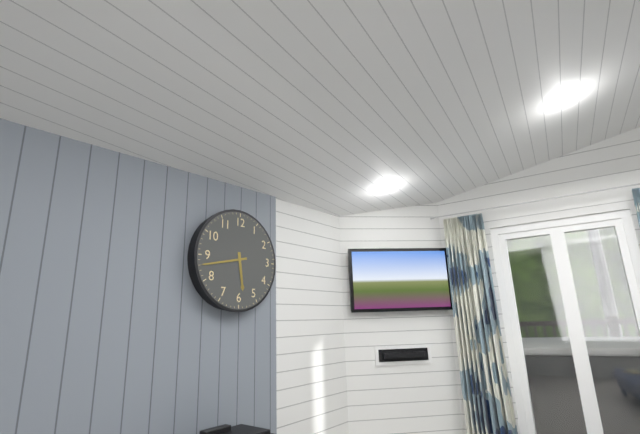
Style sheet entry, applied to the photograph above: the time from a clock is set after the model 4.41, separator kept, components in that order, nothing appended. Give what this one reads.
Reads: 5.43
